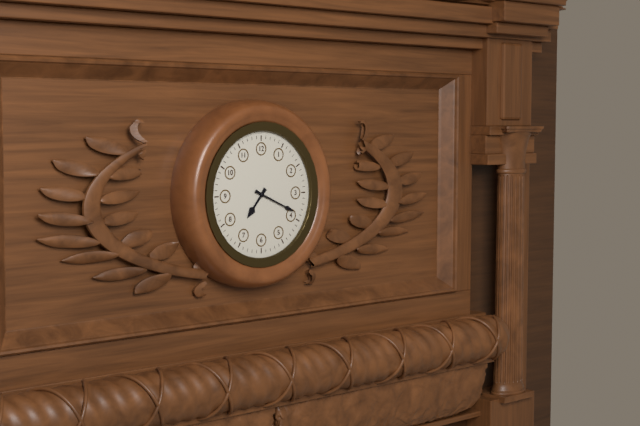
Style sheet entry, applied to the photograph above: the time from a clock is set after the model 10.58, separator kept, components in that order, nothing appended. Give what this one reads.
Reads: 7.19
